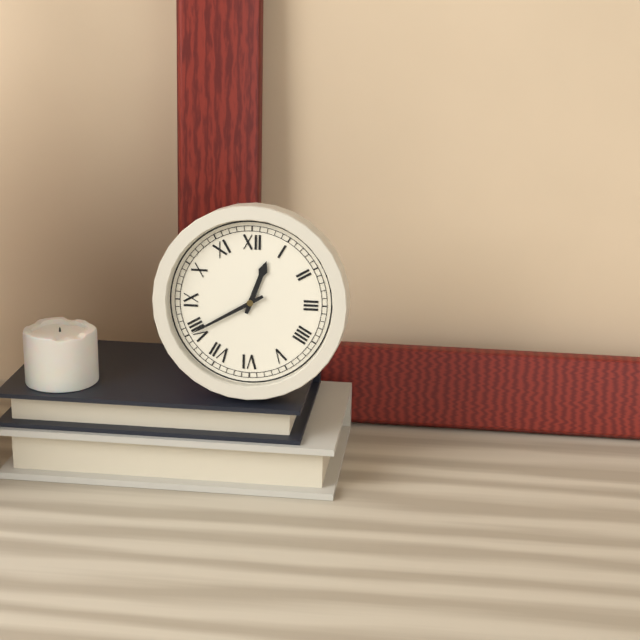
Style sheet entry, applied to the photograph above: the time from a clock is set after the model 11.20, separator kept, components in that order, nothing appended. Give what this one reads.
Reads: 12.40
